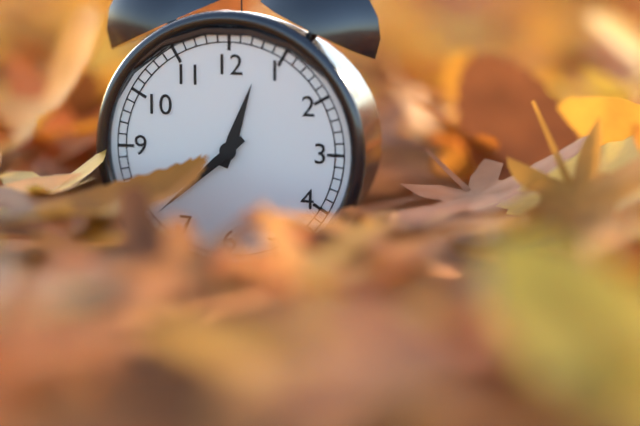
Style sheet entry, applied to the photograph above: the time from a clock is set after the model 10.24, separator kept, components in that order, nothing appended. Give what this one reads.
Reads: 12.38
